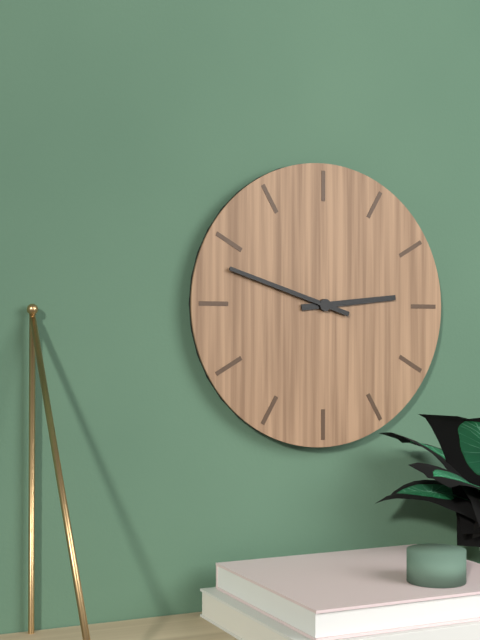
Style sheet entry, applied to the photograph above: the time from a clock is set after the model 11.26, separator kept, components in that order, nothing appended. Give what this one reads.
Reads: 2.48
